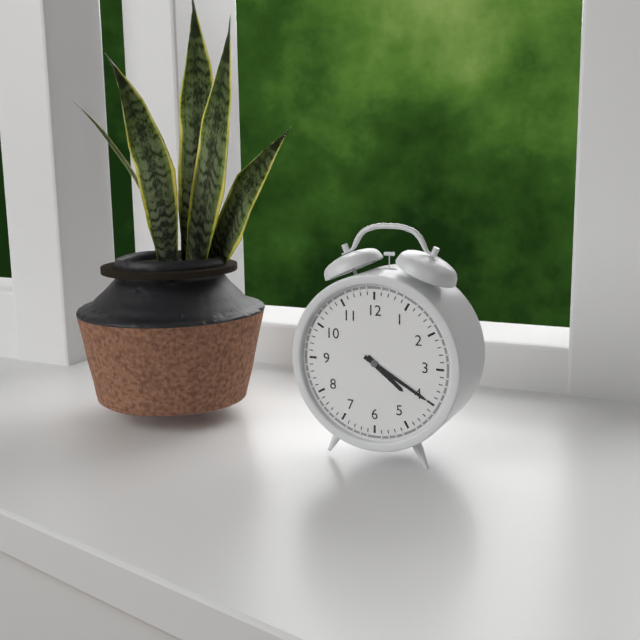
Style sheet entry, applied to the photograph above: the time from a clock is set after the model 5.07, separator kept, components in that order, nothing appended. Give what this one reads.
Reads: 4.20
